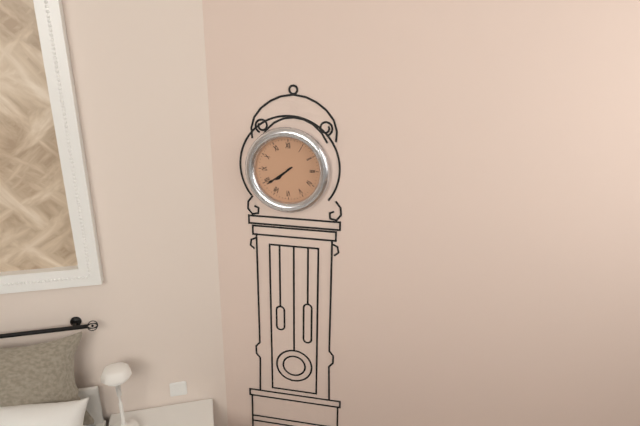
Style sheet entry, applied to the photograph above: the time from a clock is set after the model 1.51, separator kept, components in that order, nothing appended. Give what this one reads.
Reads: 7.39
